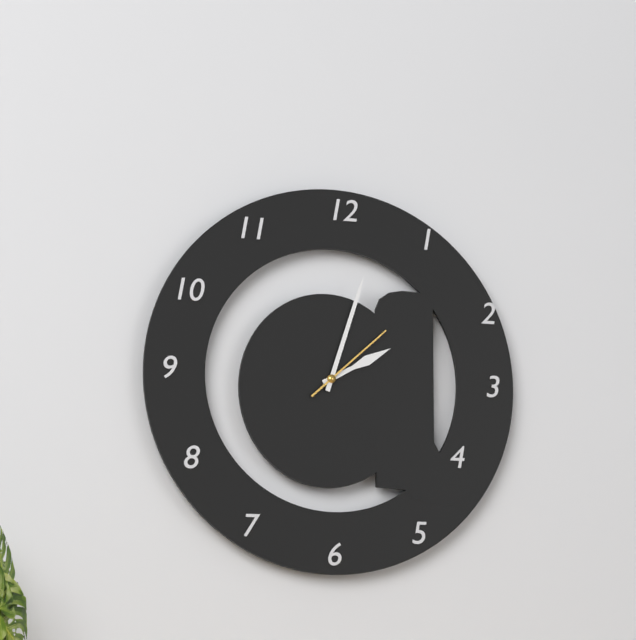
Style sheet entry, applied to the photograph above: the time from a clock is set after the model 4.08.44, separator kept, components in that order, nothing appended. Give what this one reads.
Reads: 2.03.08
